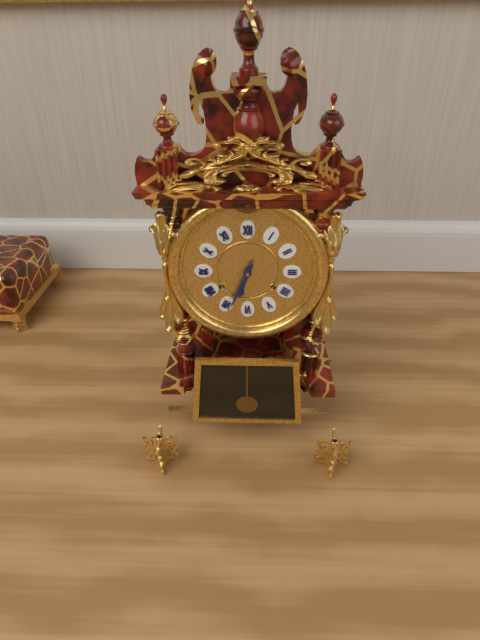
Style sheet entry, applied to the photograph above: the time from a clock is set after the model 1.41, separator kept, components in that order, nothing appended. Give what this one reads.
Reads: 6.34
